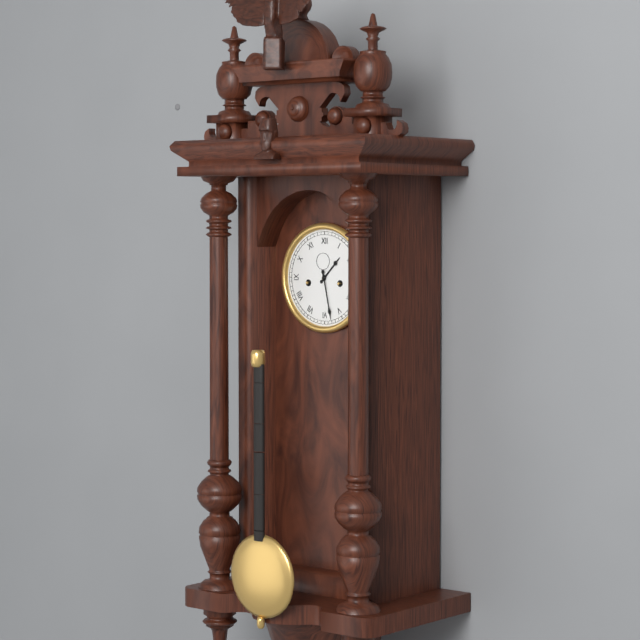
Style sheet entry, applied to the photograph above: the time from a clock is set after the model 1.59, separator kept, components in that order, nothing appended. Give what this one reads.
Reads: 1.28
